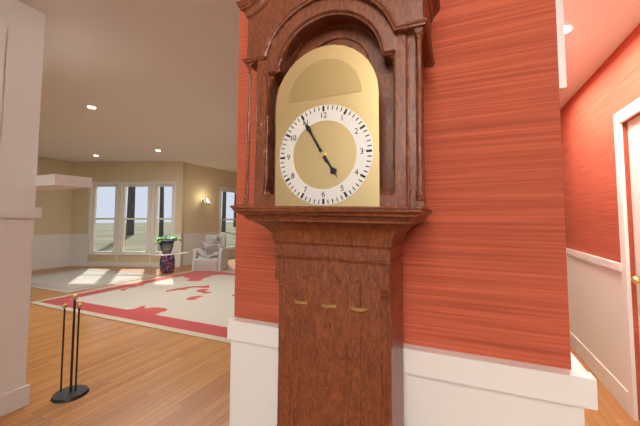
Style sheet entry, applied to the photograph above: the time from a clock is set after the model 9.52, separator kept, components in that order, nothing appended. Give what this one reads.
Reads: 4.55
